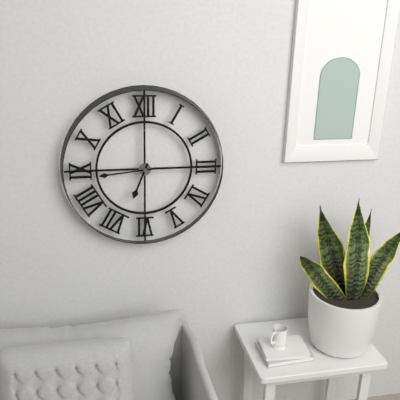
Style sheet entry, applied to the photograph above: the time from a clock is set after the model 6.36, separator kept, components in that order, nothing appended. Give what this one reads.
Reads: 6.44
